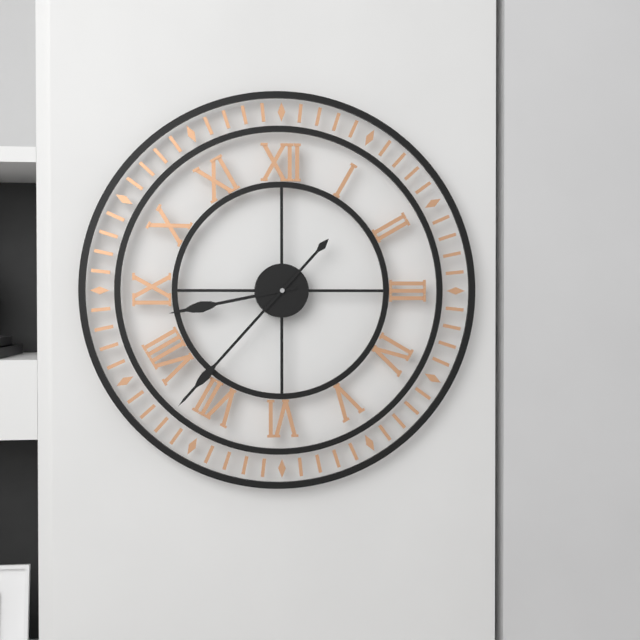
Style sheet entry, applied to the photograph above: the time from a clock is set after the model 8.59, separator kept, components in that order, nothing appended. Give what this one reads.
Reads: 8.37
